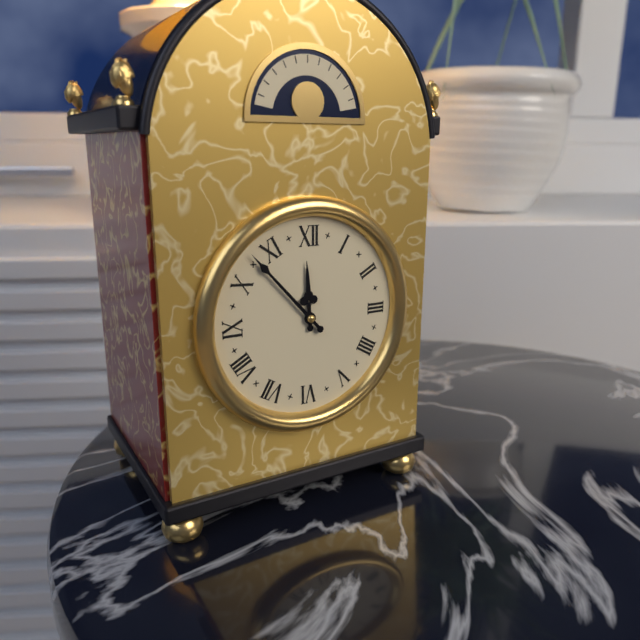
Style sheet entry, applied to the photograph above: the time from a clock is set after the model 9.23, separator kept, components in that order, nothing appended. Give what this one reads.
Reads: 11.53
